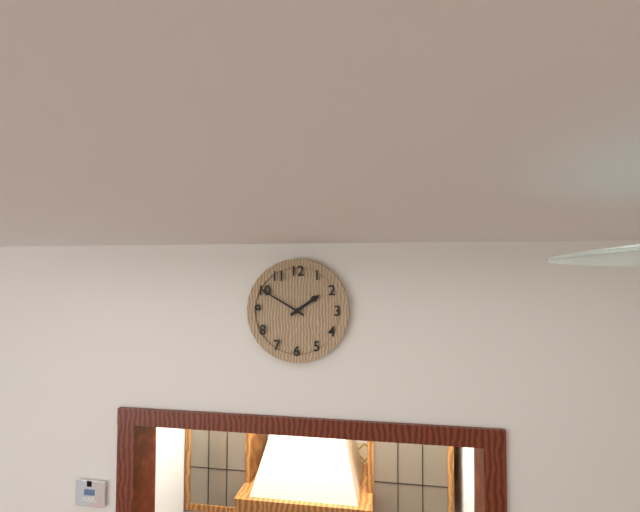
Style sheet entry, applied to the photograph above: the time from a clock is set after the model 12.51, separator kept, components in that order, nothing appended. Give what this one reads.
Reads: 1.50
